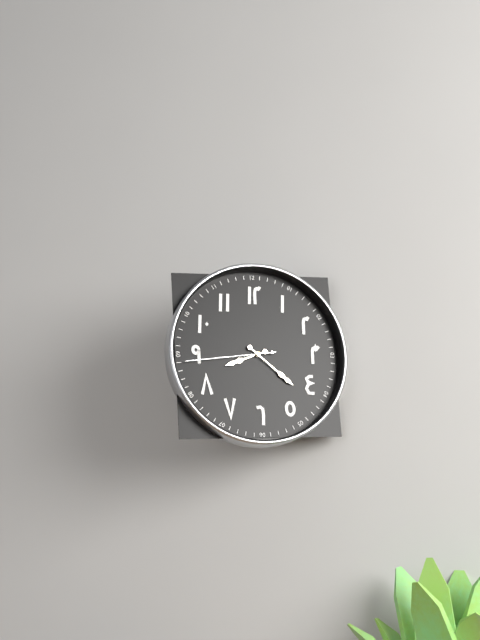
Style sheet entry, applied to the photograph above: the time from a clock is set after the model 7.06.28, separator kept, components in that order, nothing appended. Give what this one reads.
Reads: 8.22.44
